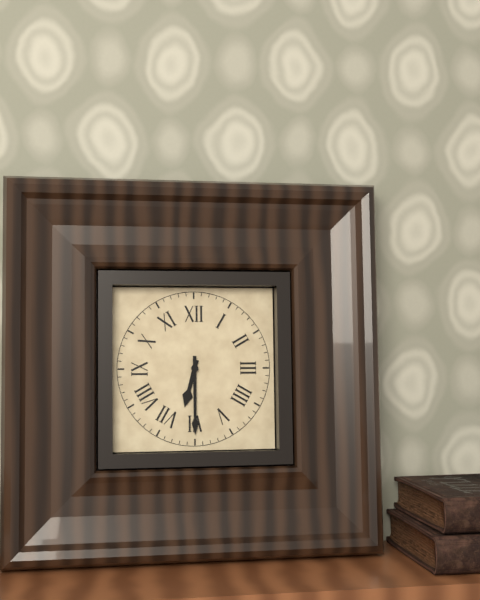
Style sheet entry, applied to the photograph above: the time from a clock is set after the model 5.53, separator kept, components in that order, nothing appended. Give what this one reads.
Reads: 6.30
